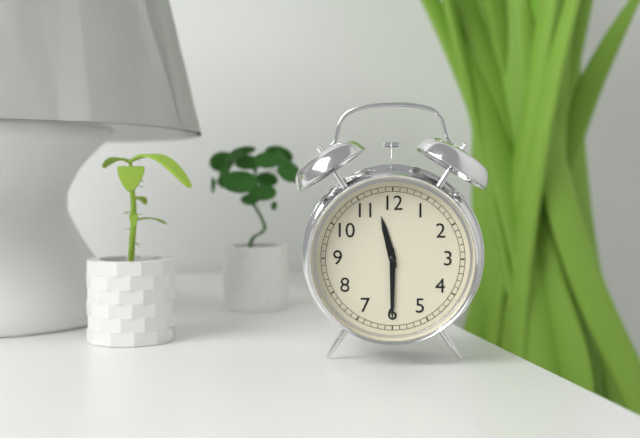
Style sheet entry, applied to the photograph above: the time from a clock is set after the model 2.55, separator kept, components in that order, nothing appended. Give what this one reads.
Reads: 11.30
